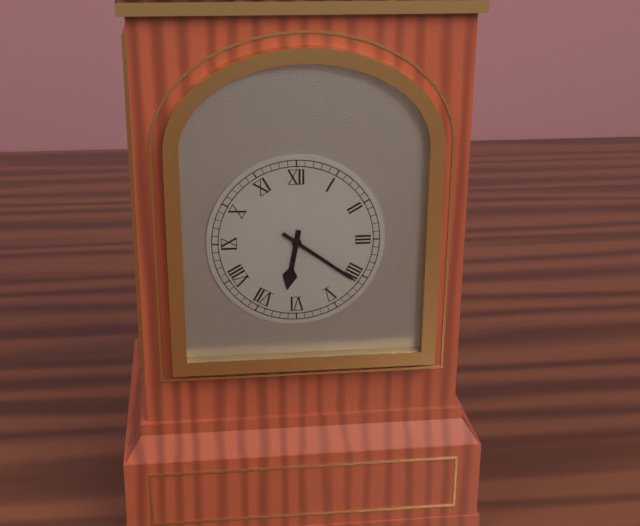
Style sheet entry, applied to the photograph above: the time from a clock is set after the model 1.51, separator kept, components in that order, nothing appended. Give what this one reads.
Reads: 6.21
